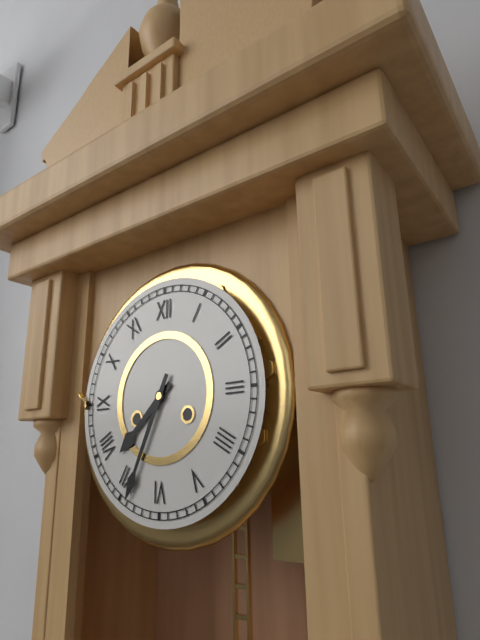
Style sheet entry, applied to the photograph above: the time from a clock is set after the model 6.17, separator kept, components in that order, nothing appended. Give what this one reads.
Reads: 7.34
